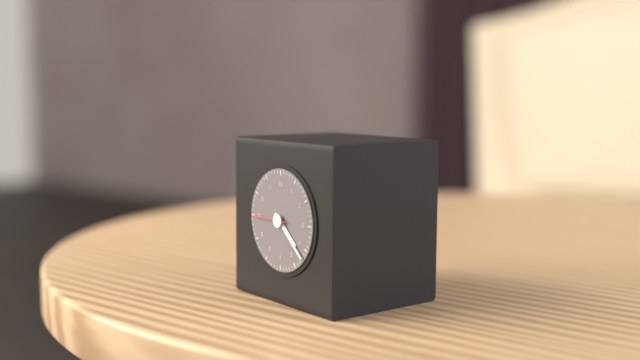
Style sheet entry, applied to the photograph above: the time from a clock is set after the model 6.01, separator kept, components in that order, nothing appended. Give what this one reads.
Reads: 4.22
